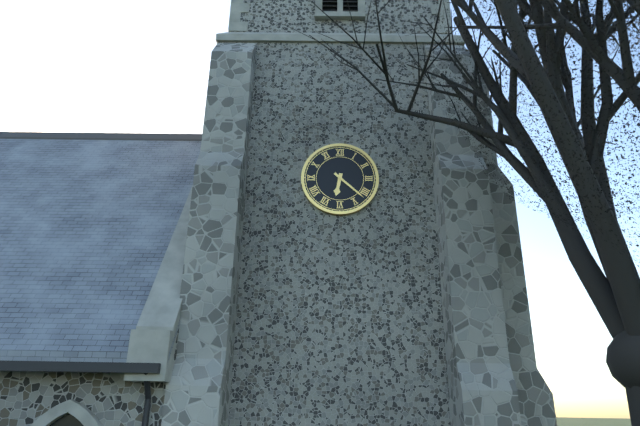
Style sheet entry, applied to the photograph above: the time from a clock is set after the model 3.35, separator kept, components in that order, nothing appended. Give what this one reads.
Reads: 6.22
